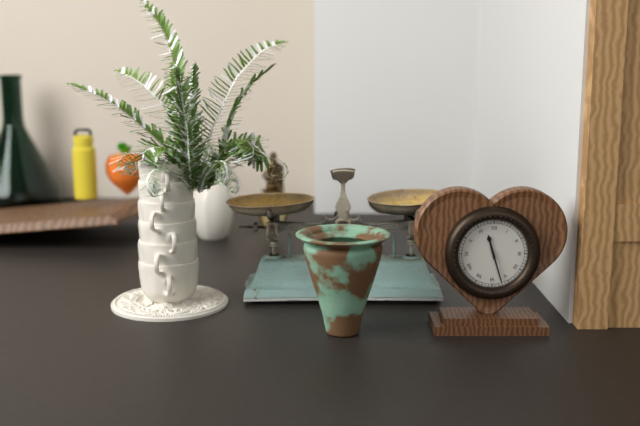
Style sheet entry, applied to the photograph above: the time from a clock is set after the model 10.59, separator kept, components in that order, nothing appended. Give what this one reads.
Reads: 11.27
